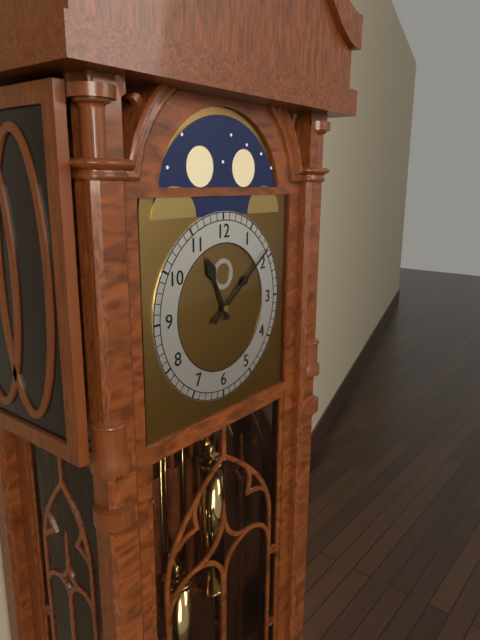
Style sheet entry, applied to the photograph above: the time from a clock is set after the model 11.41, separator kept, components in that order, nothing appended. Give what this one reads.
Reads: 11.09
